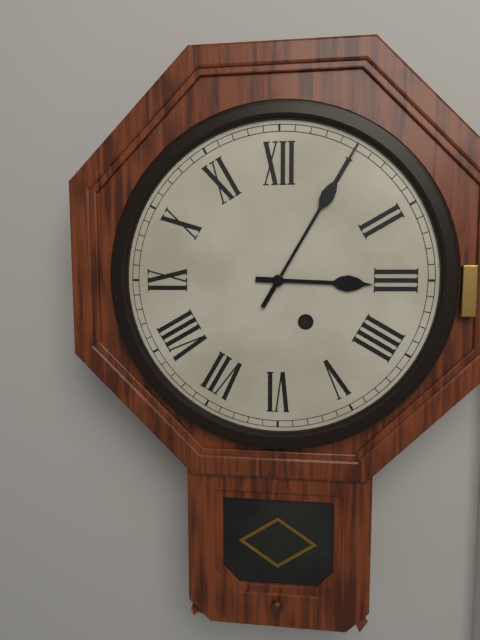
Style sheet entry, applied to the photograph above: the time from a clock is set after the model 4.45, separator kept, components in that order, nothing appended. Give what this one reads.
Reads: 3.05
